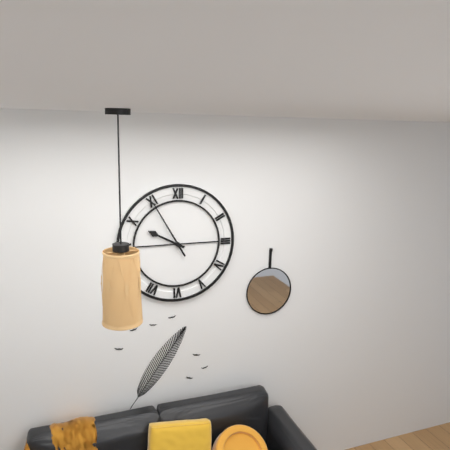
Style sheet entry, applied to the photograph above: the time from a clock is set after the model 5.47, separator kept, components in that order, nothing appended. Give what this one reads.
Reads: 9.55
